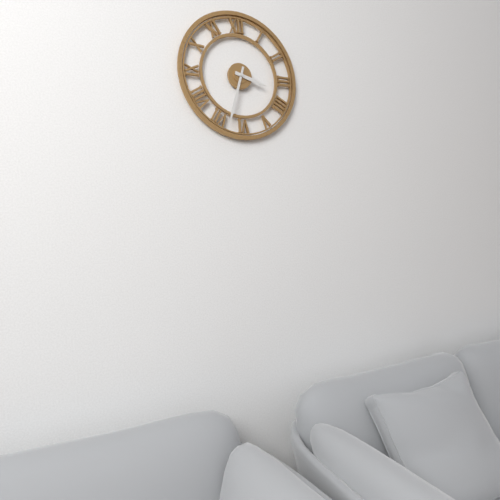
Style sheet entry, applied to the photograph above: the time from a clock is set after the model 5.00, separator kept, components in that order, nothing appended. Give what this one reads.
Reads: 3.33
